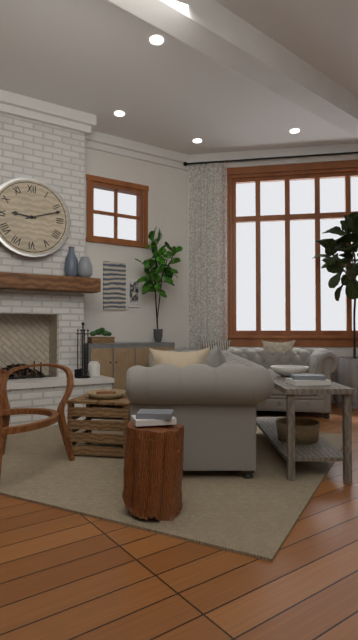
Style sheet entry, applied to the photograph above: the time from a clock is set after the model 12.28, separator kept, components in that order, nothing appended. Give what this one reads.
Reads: 9.12
